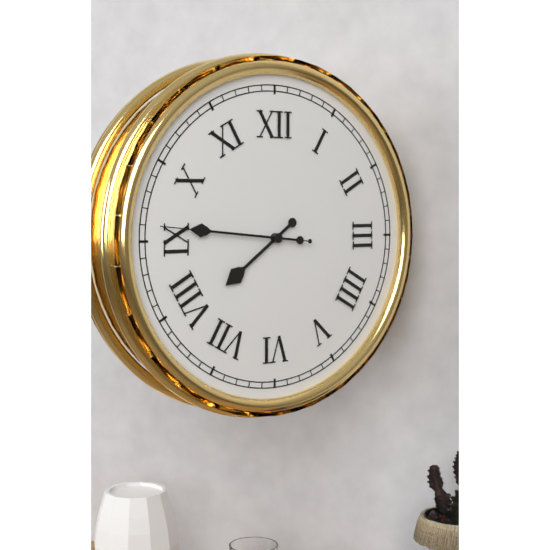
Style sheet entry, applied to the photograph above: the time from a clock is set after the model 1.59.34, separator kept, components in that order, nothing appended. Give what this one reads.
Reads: 7.46.46
